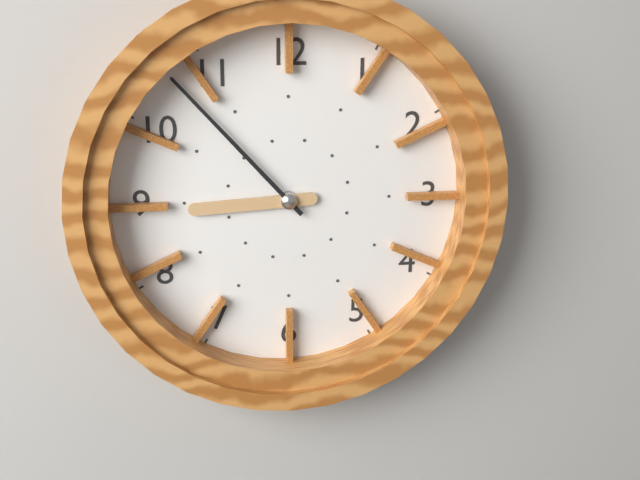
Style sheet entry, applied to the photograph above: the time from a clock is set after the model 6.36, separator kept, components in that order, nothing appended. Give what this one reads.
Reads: 8.53
